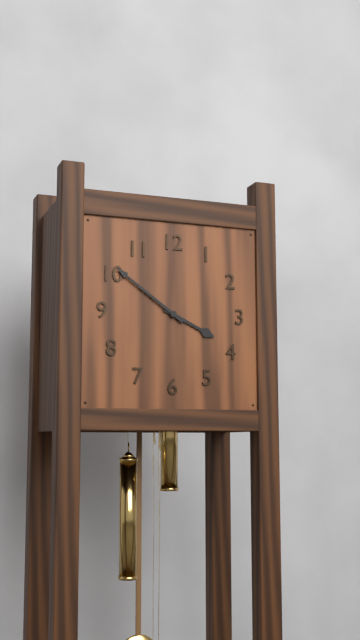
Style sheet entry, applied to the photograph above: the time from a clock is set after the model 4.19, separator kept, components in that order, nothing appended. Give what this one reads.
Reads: 3.51
